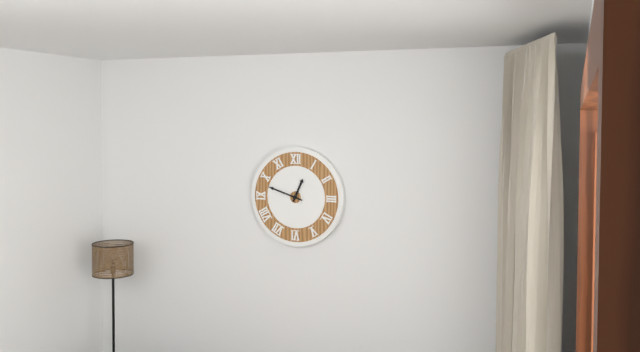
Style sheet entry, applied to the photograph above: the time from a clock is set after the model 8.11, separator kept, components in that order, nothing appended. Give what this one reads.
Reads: 12.48
